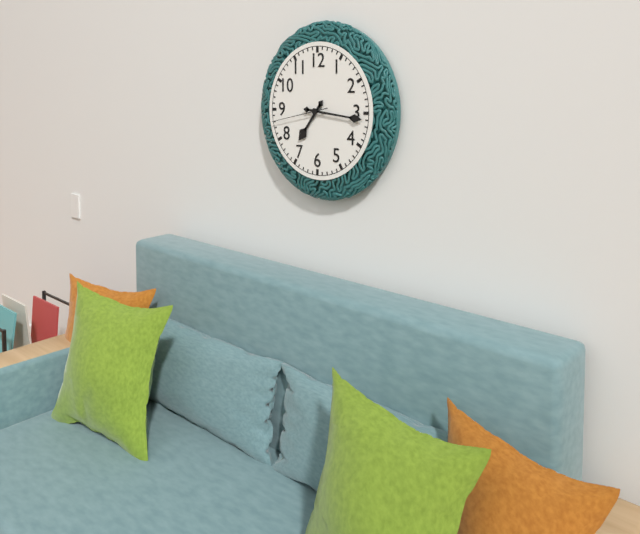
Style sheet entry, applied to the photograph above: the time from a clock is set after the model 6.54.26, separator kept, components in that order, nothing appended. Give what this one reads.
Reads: 7.16.43
